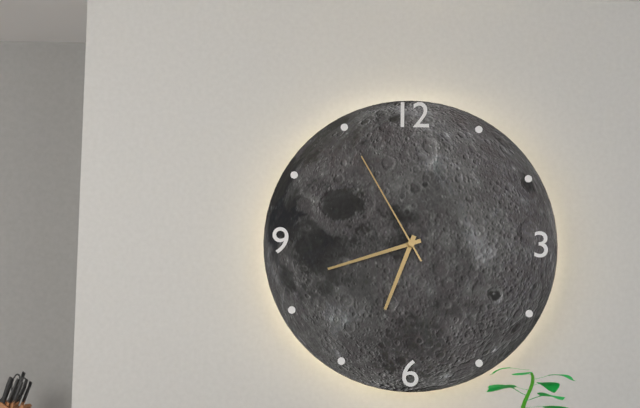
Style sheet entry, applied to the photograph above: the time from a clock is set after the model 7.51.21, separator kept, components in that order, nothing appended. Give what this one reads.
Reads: 6.42.55
